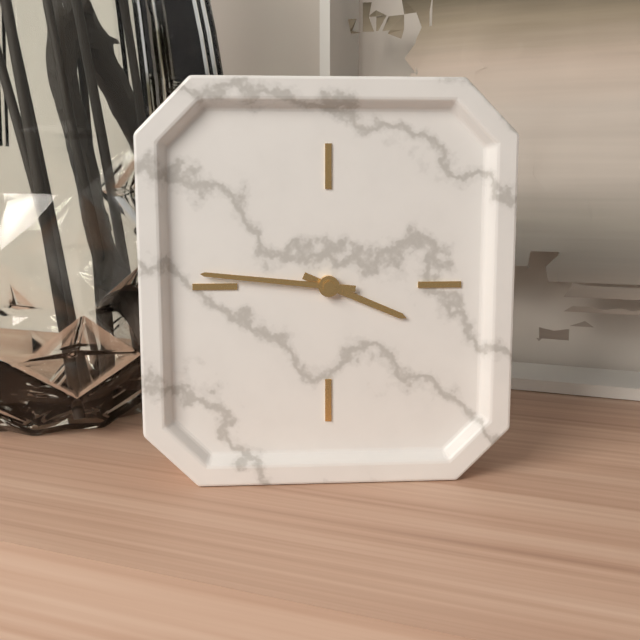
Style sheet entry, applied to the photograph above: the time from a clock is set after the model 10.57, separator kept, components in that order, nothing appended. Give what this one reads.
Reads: 3.46
